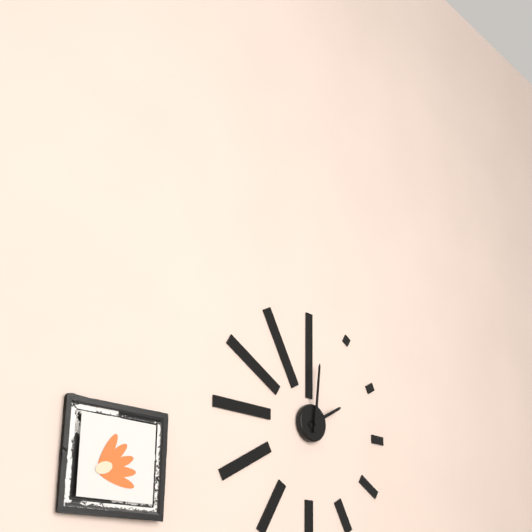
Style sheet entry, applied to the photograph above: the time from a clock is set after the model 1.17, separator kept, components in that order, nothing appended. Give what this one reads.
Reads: 2.01
